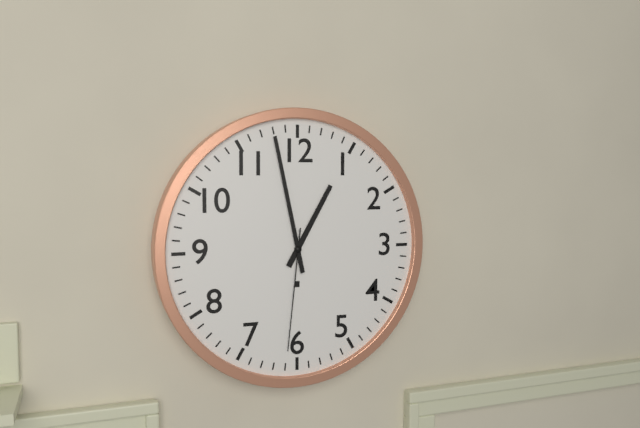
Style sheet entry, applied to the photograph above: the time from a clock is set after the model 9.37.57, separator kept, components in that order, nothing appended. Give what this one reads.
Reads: 12.58.31
